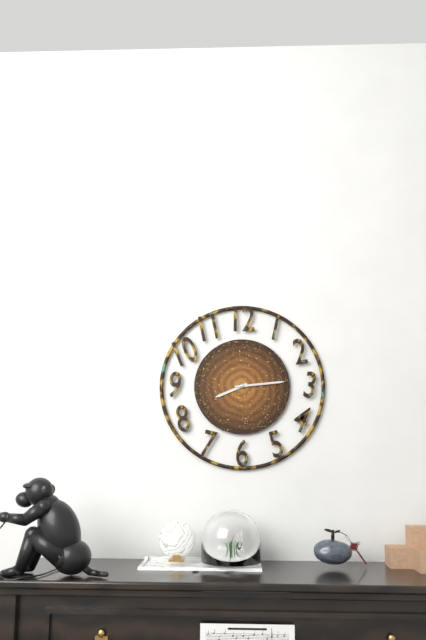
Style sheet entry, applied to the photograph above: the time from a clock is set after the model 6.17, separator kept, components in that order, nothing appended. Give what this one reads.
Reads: 8.14
